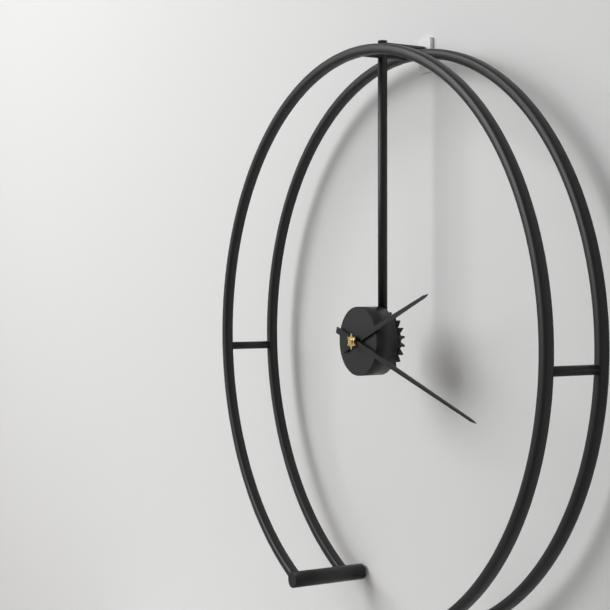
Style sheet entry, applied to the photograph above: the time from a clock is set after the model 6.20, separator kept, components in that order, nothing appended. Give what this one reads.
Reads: 2.18
